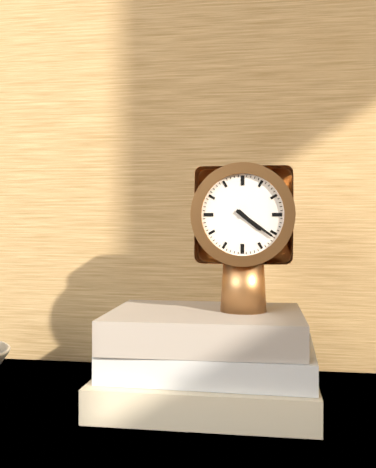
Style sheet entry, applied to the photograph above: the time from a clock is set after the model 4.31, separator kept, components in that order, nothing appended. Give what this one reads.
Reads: 4.21
